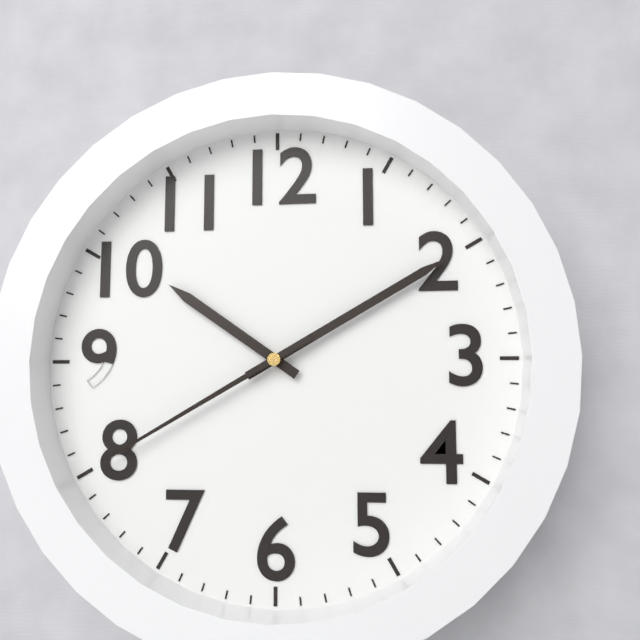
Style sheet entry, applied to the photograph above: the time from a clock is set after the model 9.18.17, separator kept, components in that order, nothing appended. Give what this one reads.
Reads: 10.10.40
